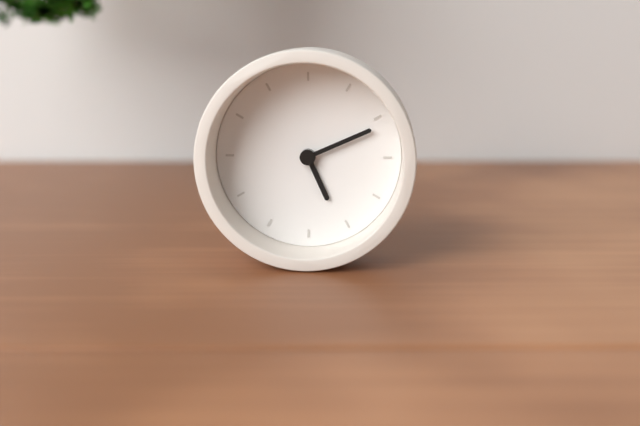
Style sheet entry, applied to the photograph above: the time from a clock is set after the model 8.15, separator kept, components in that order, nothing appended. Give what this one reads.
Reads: 5.11
